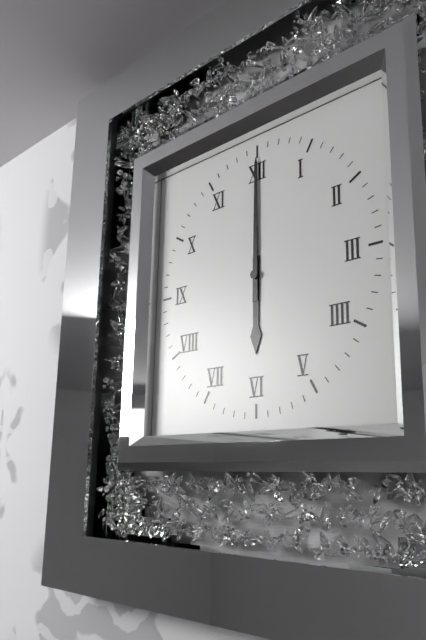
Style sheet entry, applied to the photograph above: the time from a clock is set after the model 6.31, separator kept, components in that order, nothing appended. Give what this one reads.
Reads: 6.00
